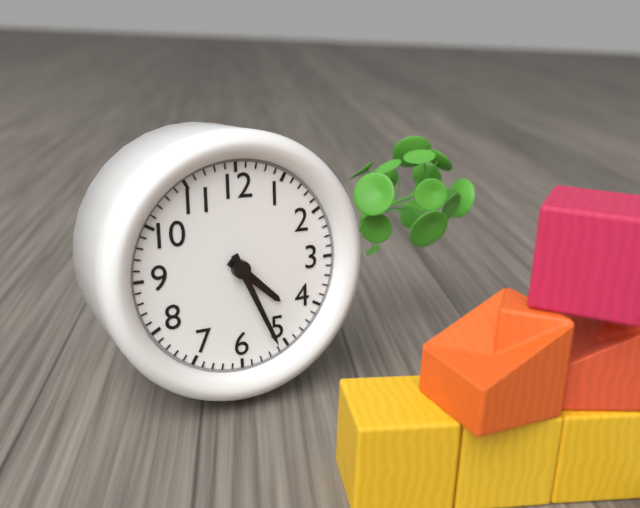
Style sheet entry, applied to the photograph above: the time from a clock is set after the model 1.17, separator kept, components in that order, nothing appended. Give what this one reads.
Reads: 4.26
